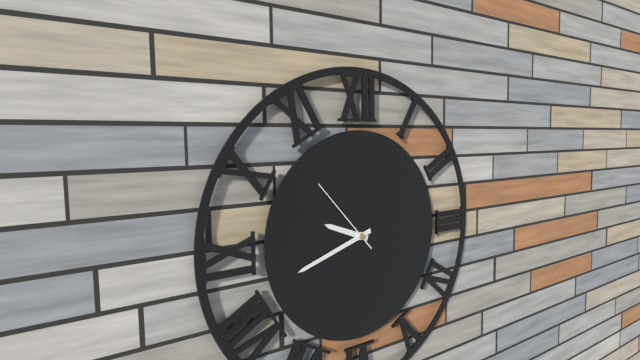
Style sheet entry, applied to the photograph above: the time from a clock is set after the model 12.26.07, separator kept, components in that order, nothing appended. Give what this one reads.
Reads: 9.42.53
